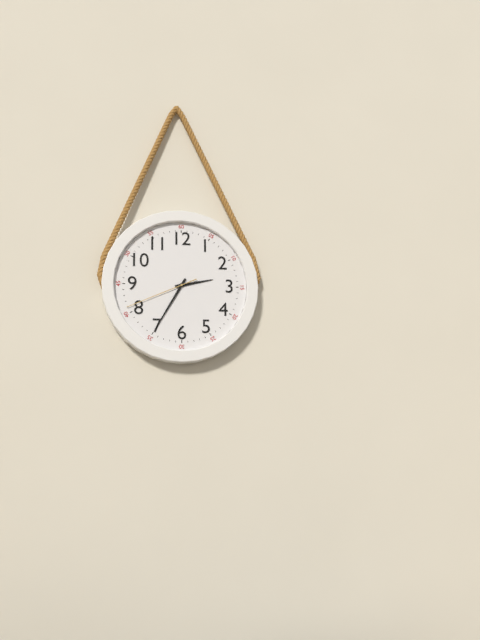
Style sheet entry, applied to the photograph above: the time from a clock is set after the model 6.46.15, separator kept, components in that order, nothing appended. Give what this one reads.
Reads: 2.35.41
